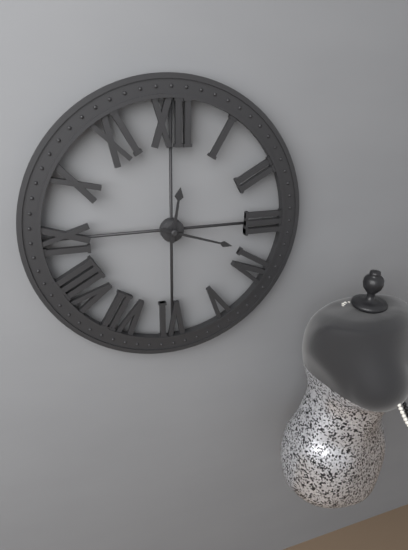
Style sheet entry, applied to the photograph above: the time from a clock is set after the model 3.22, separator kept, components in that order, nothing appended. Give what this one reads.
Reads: 12.18
